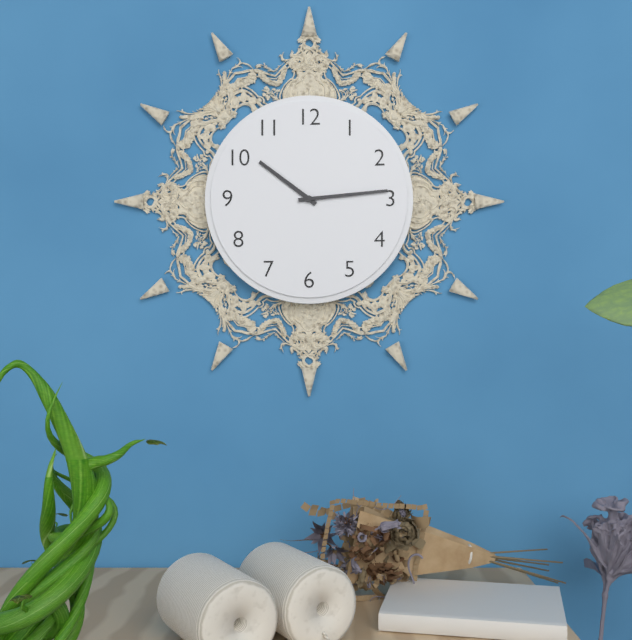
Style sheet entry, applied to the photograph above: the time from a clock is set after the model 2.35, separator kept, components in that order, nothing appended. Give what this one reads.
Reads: 10.14
